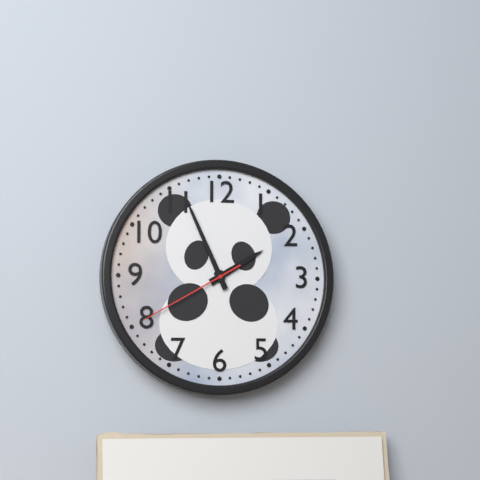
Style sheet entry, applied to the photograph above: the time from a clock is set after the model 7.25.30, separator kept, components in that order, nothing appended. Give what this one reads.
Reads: 1.56.40
